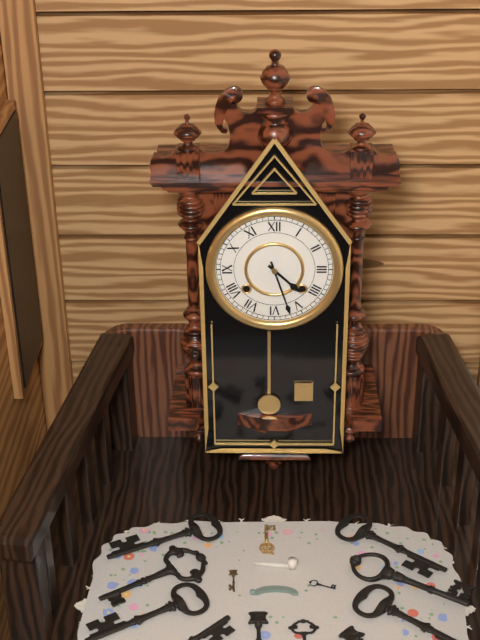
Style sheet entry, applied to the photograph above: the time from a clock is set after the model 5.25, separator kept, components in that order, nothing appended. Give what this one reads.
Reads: 4.27
